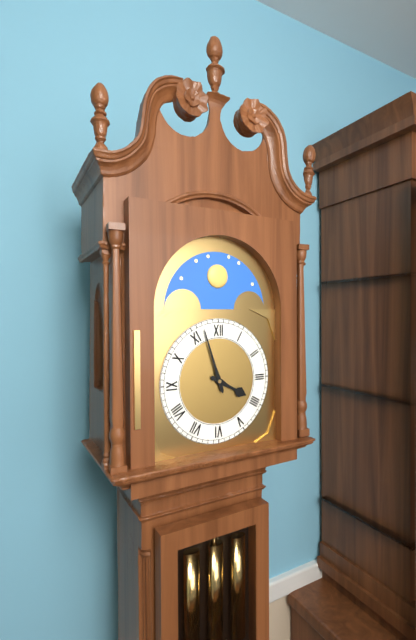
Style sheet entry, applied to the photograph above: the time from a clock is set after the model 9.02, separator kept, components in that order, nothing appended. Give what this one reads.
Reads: 3.57
